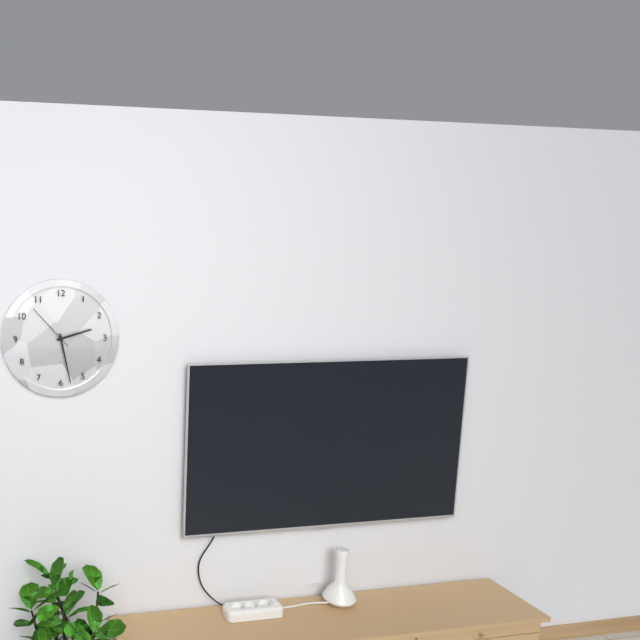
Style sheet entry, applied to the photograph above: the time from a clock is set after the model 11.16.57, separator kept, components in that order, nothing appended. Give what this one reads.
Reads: 2.28.53
